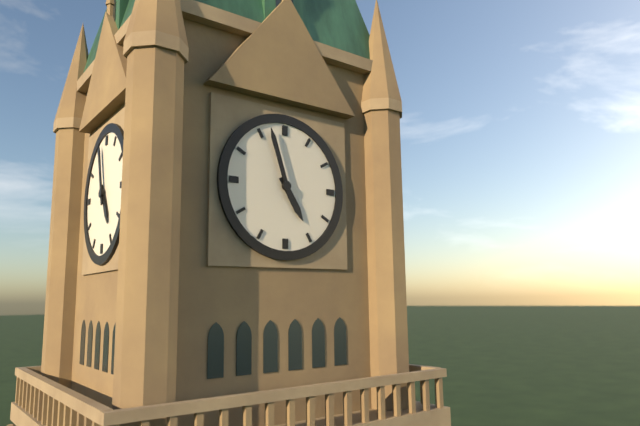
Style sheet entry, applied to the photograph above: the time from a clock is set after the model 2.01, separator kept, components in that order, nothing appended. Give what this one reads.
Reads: 4.57
